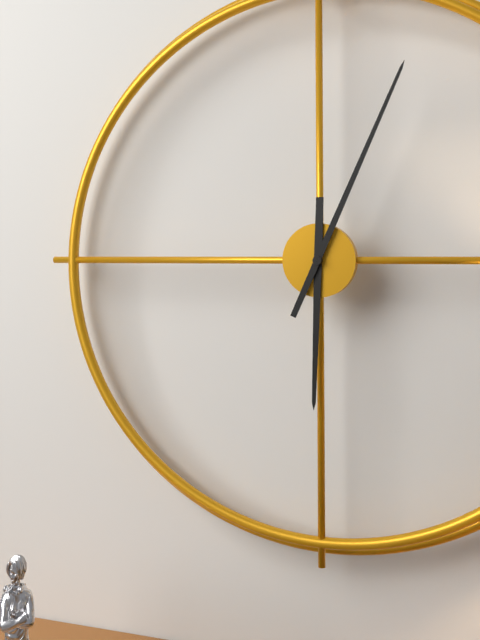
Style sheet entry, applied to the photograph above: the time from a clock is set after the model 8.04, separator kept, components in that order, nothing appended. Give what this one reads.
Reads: 6.04
